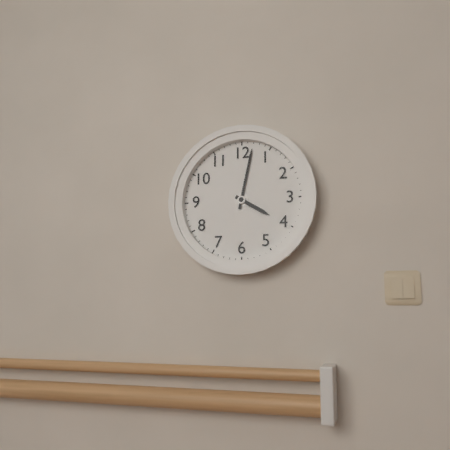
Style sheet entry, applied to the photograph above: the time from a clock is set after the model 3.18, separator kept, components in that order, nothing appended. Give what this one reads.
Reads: 4.02
